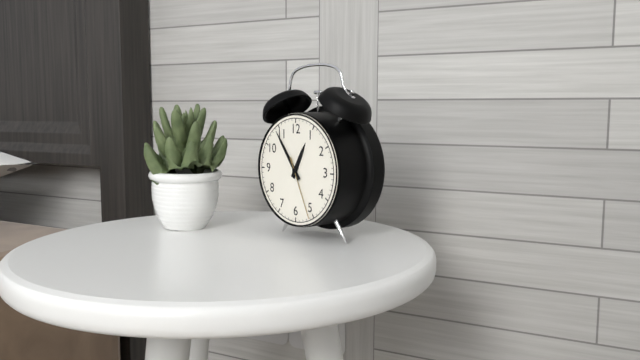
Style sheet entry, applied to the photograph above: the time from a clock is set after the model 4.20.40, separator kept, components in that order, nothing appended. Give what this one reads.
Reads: 12.54.26
